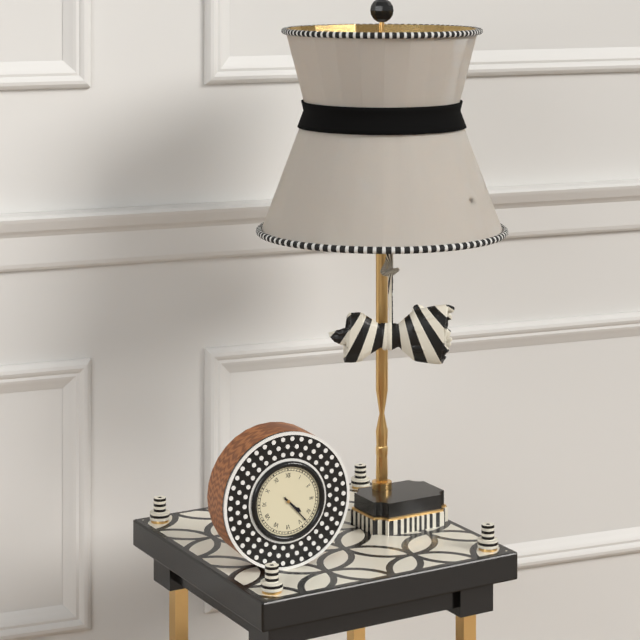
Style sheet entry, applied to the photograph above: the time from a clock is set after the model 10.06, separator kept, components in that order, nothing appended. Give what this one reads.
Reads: 4.23
